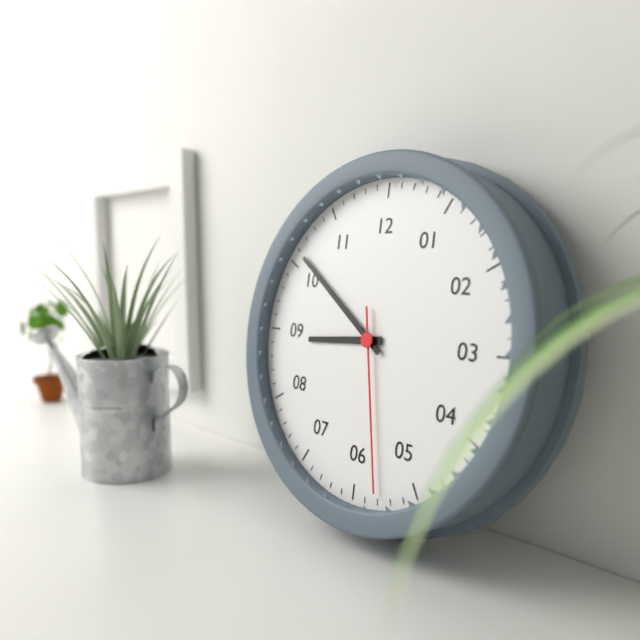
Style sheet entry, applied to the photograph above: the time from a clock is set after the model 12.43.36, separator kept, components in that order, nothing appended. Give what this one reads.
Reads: 8.51.28
